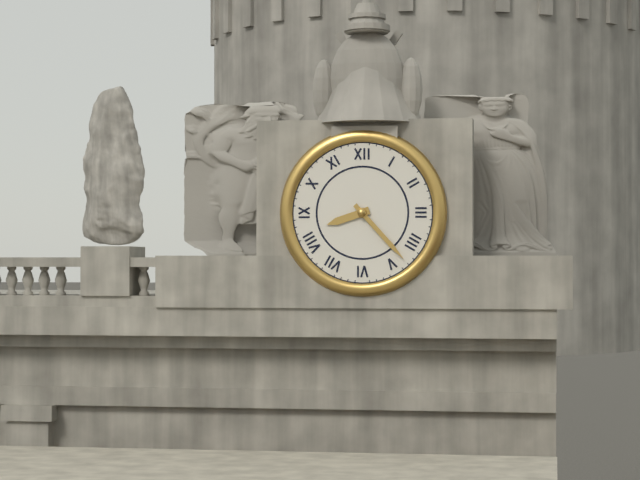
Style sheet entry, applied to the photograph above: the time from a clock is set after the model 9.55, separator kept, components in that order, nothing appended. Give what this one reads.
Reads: 8.23
